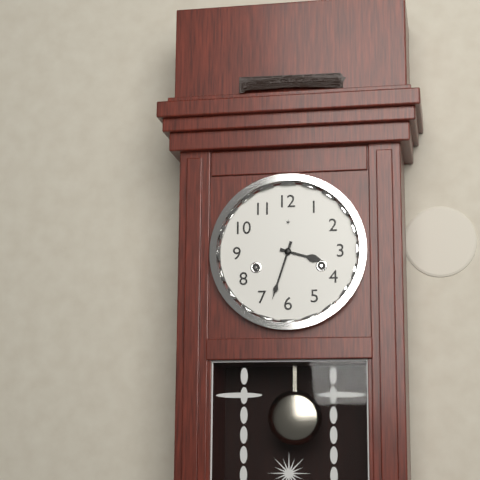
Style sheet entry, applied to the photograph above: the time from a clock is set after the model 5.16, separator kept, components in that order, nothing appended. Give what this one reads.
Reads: 3.33
